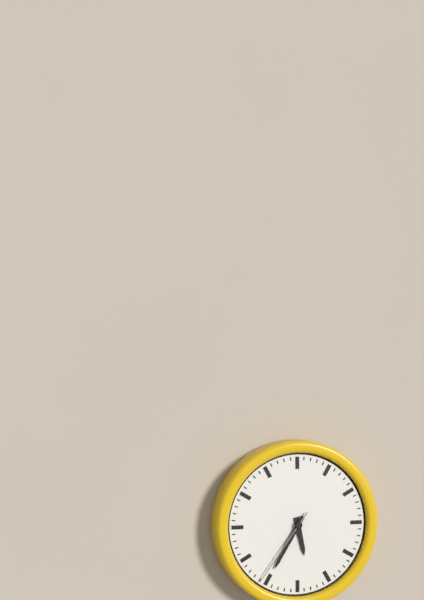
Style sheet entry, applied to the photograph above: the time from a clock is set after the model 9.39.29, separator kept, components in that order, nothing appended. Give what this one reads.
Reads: 5.35.36
